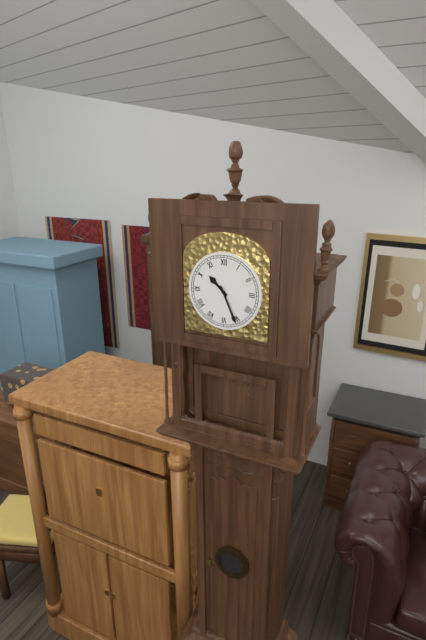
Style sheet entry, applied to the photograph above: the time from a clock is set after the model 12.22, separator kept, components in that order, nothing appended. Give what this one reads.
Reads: 10.26
